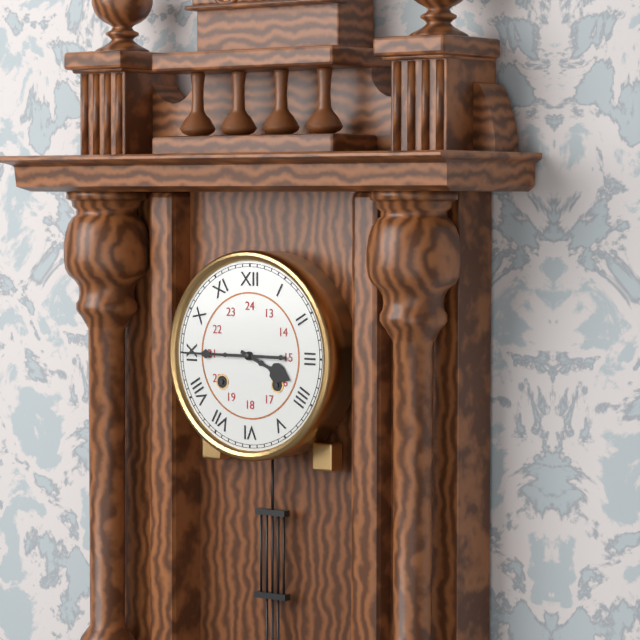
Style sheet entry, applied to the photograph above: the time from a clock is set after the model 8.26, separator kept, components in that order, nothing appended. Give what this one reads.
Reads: 3.45
